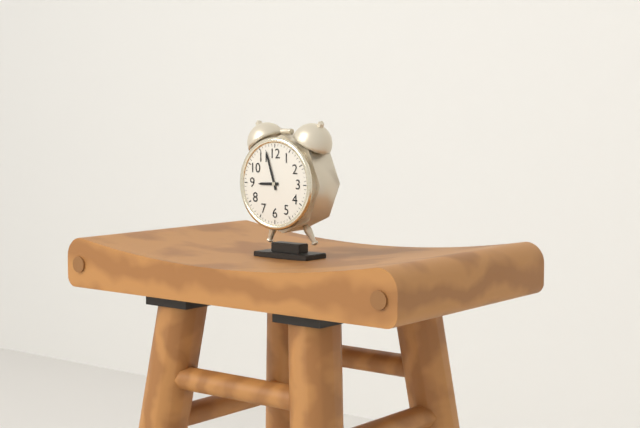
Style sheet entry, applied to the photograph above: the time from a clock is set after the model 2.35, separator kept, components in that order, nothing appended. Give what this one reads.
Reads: 8.57
